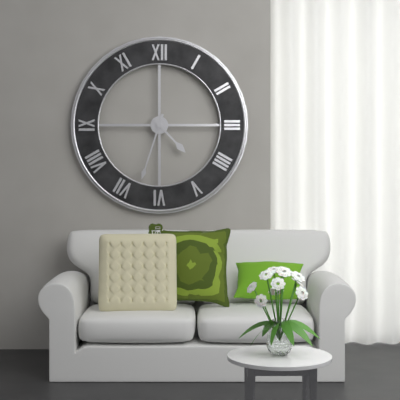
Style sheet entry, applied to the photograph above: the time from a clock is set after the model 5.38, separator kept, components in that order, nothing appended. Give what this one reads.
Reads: 4.33
